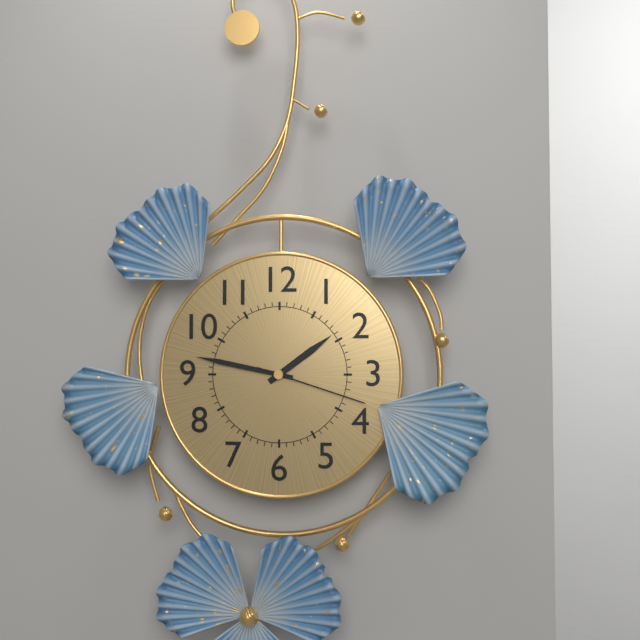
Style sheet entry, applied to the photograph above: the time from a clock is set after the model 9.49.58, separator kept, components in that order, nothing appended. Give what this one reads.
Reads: 1.47.18
